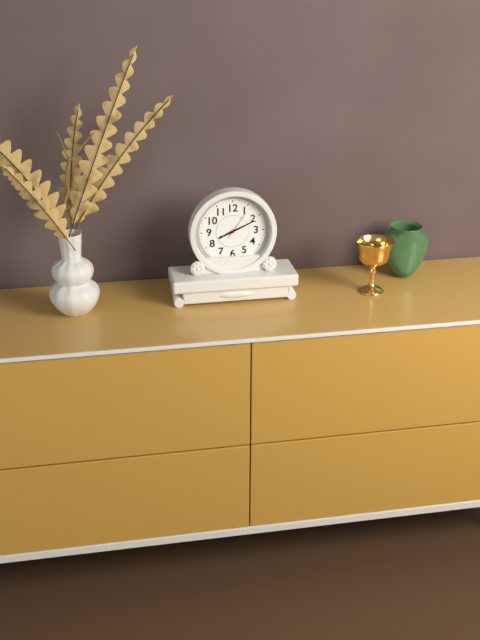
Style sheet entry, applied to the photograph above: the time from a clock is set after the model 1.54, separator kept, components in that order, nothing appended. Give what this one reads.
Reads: 8.11
